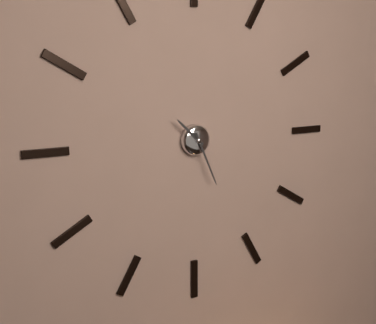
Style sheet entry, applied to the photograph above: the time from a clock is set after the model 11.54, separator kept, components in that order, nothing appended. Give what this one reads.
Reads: 10.26
